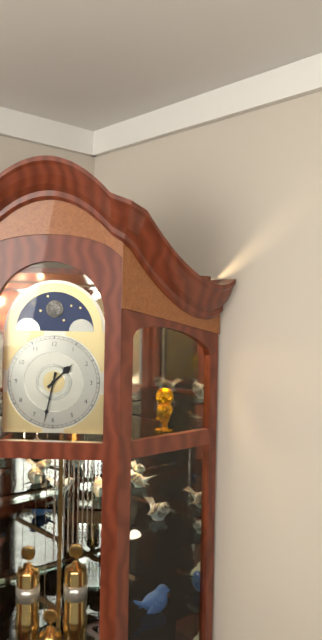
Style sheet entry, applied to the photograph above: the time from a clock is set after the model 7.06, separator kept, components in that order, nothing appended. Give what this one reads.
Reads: 1.32
